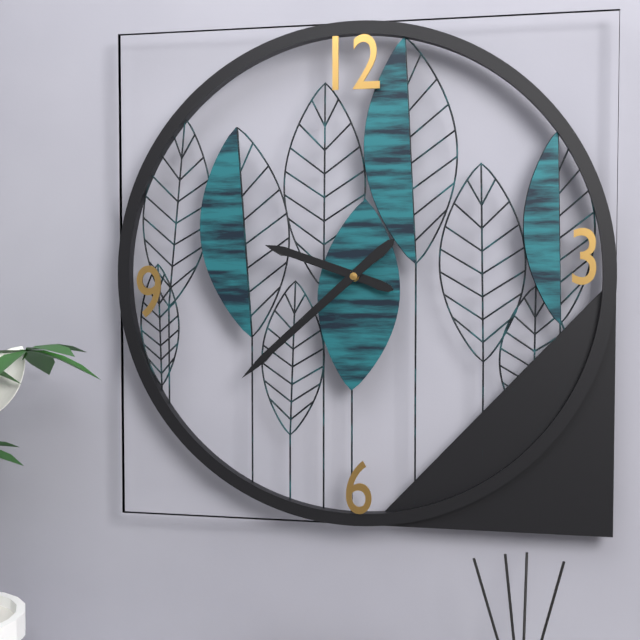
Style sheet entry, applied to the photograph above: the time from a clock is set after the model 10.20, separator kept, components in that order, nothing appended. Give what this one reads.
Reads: 9.38
